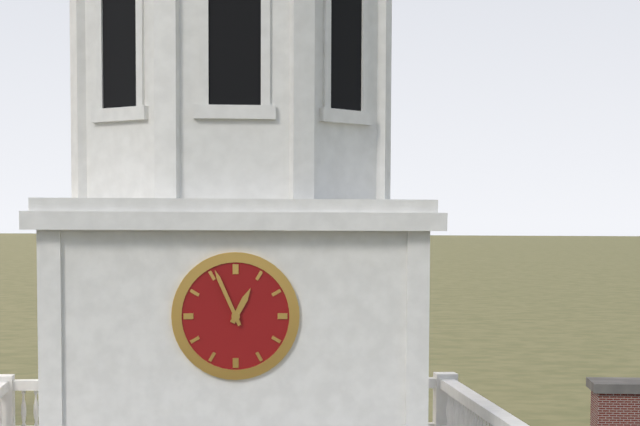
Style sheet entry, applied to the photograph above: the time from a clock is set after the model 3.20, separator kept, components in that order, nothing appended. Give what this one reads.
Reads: 12.56
